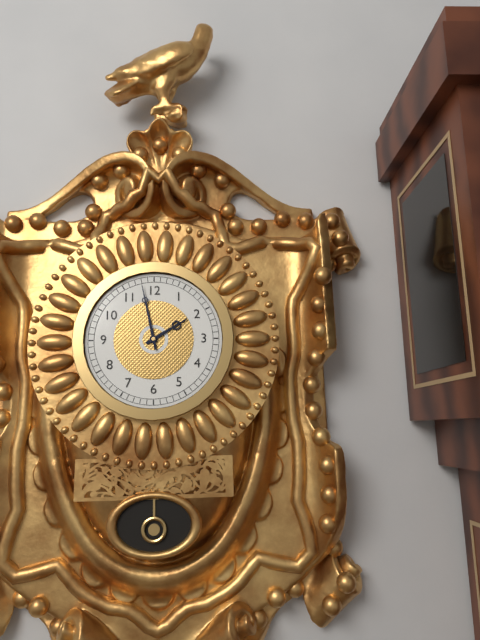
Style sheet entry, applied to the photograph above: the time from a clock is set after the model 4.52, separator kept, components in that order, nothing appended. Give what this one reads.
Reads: 1.58
